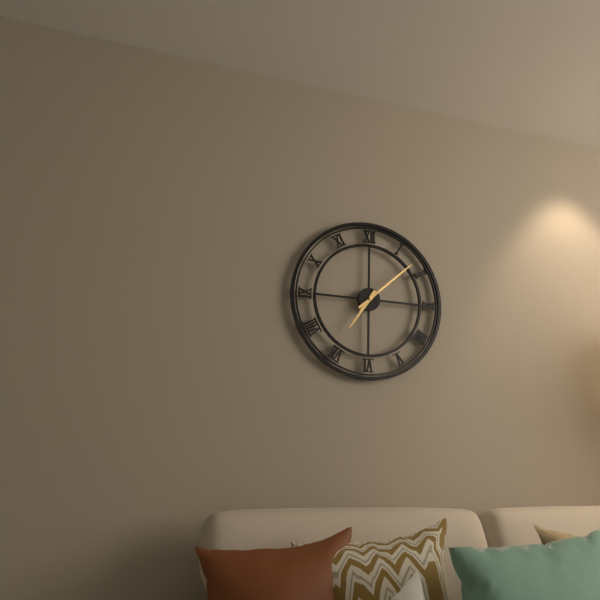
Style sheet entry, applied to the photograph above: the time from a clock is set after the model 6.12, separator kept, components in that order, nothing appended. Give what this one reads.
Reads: 7.08
